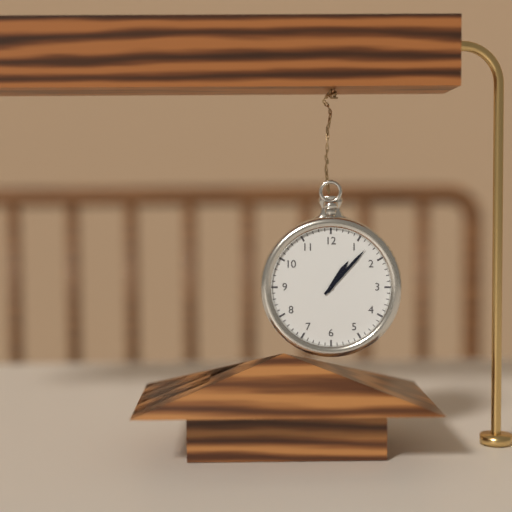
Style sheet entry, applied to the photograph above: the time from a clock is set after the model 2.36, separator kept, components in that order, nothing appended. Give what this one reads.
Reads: 1.07
